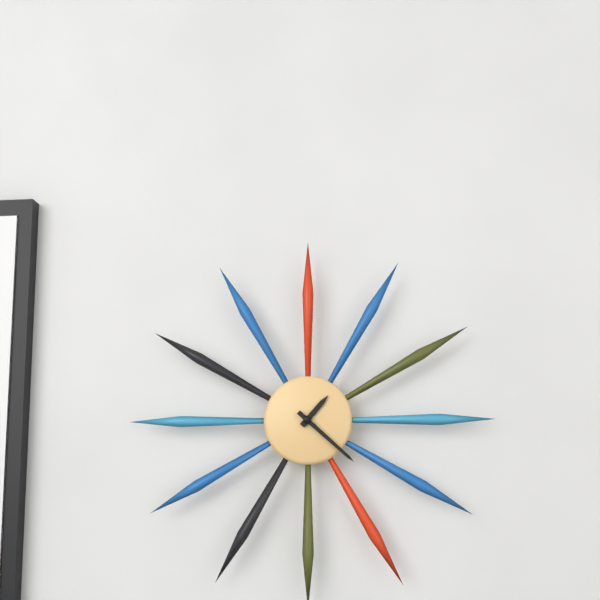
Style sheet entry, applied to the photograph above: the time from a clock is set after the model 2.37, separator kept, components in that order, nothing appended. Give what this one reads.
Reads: 1.22
